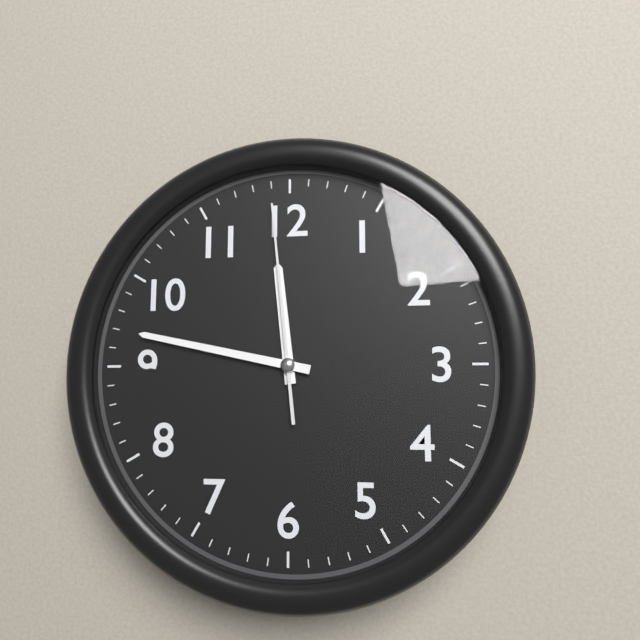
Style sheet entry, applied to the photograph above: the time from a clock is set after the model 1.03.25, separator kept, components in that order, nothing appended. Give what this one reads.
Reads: 11.47.59
